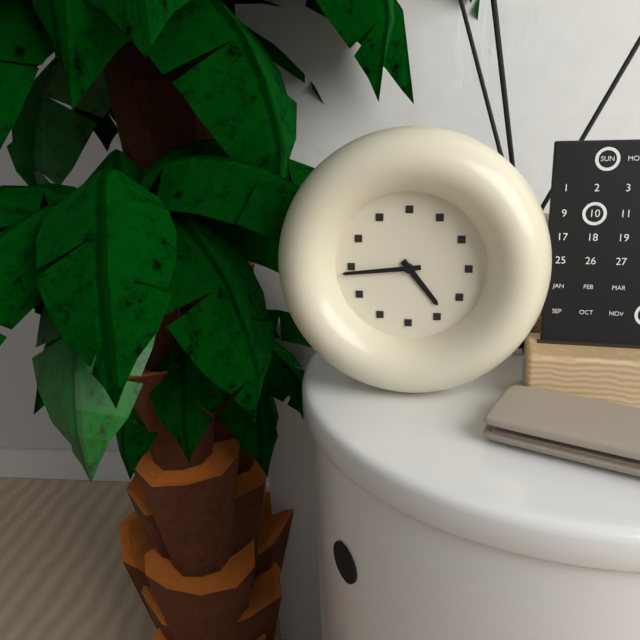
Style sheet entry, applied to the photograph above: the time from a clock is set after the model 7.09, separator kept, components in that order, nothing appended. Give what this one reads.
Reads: 4.44
